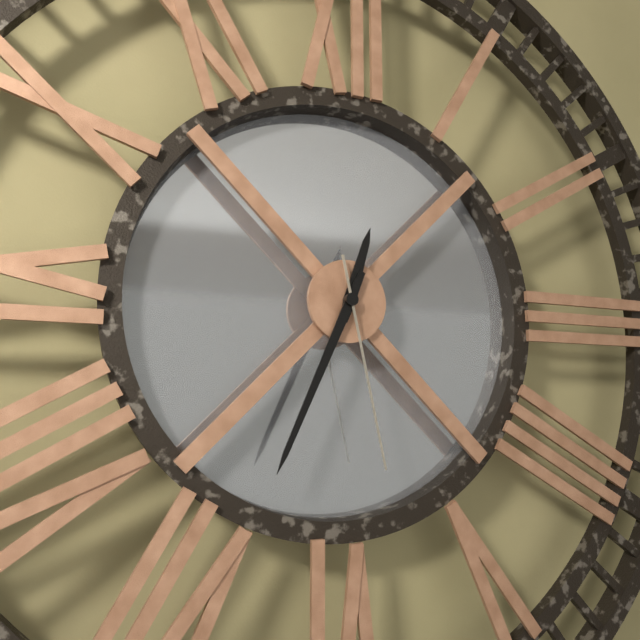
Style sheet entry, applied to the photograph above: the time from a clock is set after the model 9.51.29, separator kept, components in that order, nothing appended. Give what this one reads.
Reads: 12.34.28
